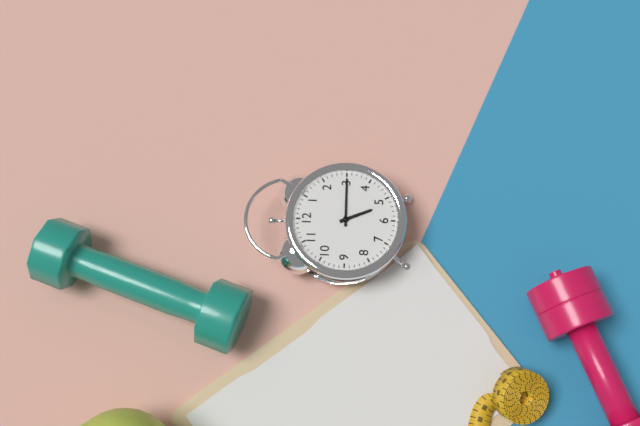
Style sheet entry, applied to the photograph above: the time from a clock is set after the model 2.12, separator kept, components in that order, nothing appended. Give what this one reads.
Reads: 5.15
